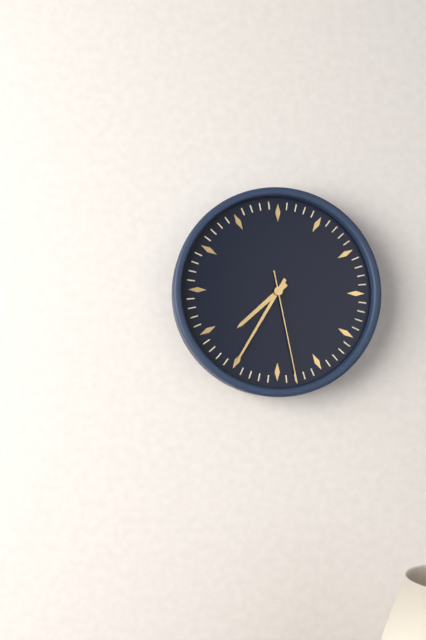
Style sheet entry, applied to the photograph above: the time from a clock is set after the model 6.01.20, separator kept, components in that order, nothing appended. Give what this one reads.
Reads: 7.35.28
